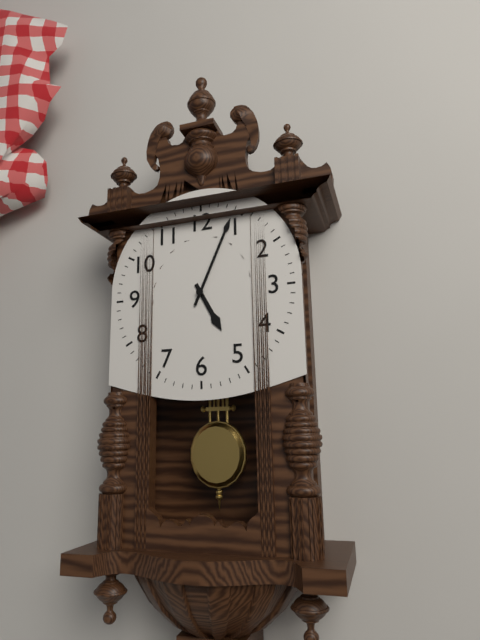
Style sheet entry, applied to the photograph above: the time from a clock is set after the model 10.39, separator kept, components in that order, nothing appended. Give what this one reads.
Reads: 5.04
